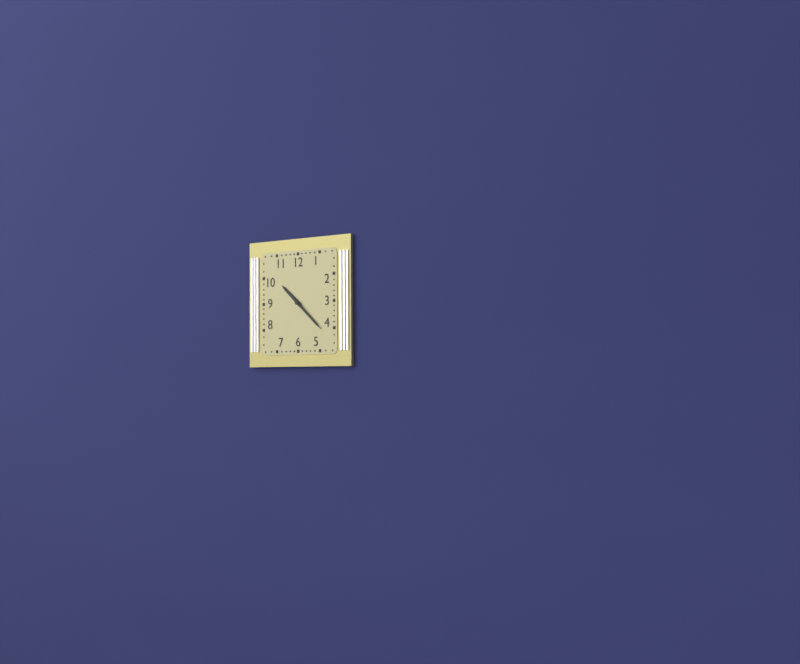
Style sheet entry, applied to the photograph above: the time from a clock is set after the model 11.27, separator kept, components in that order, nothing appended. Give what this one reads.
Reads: 10.22
